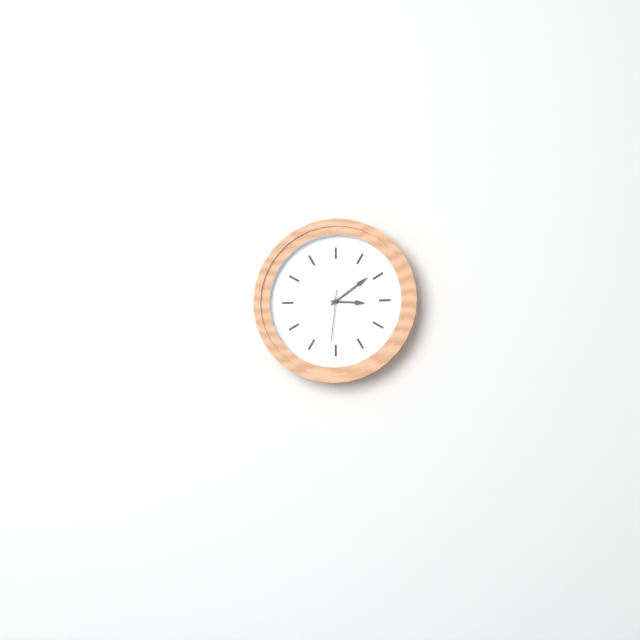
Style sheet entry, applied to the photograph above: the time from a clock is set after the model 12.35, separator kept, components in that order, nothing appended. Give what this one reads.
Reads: 3.09
